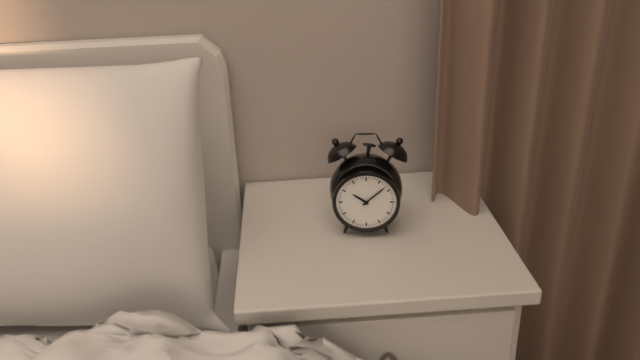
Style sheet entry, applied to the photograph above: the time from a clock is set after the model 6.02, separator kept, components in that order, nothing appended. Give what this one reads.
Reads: 10.08
